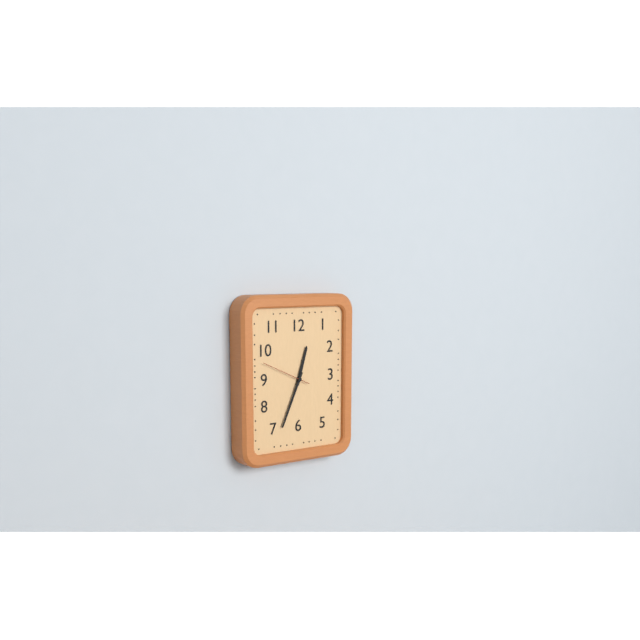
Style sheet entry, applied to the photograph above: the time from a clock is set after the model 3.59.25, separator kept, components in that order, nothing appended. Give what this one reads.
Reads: 12.34.49
